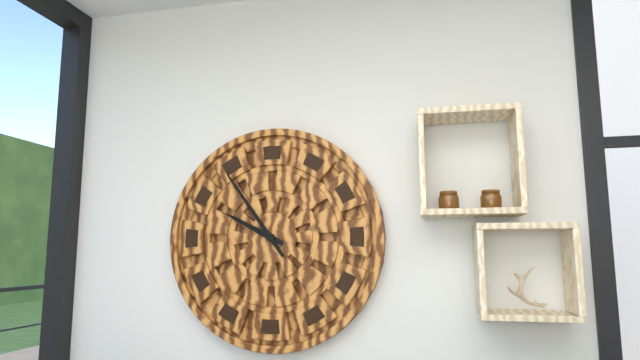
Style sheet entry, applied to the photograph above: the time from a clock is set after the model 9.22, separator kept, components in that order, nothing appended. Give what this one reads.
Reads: 9.54
